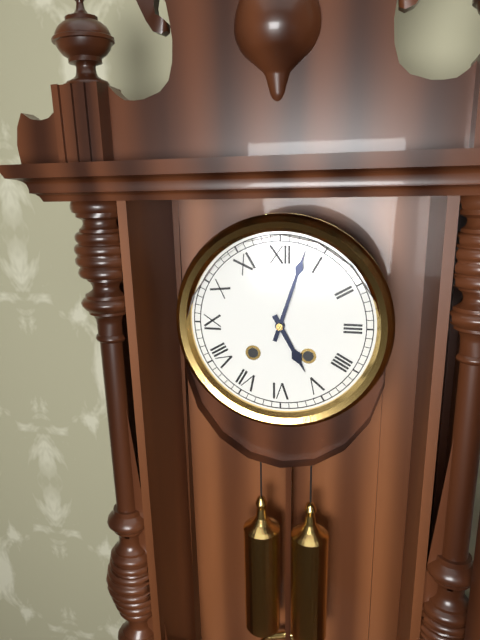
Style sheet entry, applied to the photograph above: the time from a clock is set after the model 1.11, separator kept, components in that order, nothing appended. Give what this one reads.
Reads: 5.03
